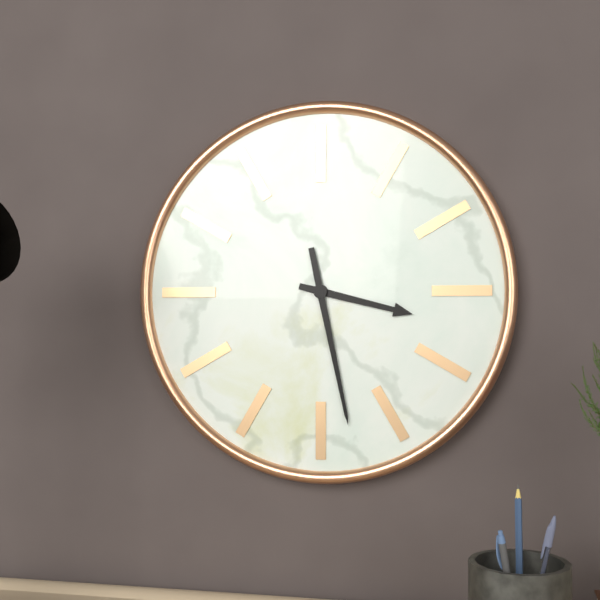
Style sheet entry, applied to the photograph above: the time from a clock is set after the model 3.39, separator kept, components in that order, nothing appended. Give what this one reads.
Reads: 3.28
